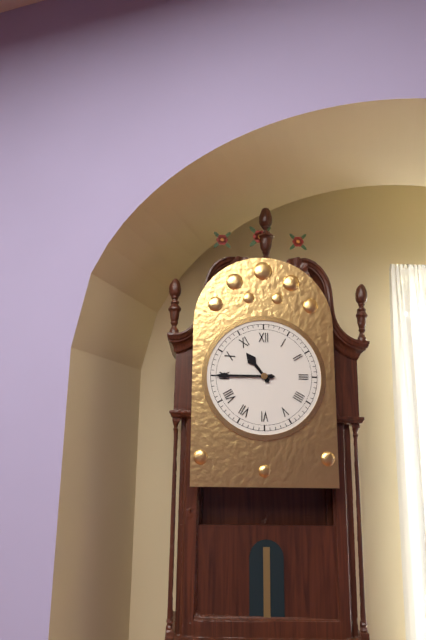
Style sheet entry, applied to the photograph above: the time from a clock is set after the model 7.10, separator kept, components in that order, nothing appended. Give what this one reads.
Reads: 10.45
